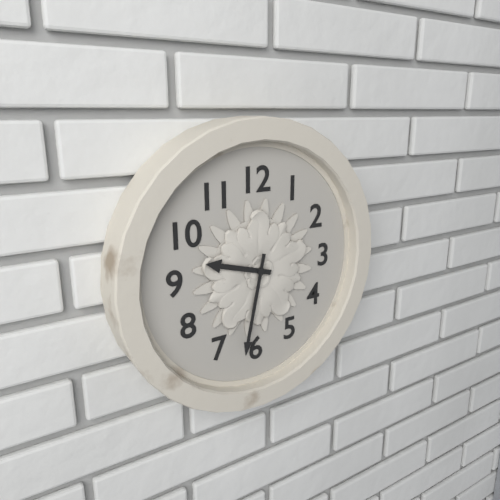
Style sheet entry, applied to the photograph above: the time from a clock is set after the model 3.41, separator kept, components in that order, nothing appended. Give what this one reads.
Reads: 9.32
